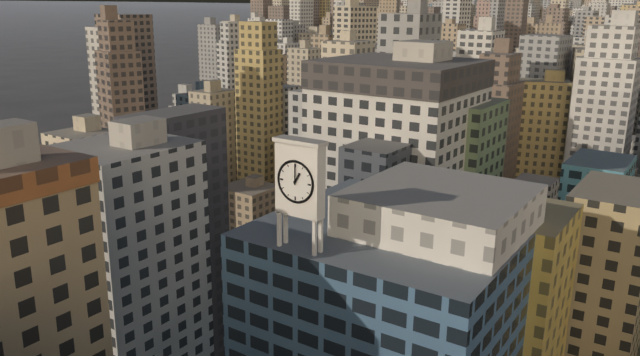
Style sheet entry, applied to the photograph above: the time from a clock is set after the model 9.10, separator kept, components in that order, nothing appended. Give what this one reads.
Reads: 1.00
